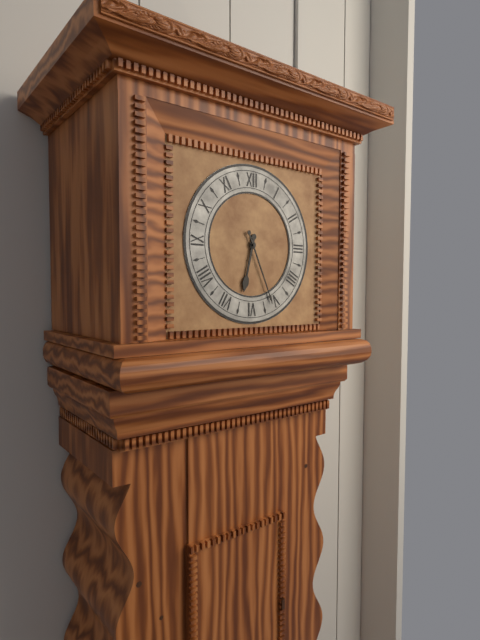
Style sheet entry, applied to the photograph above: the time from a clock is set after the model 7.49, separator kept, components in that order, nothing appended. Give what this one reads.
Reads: 6.26
